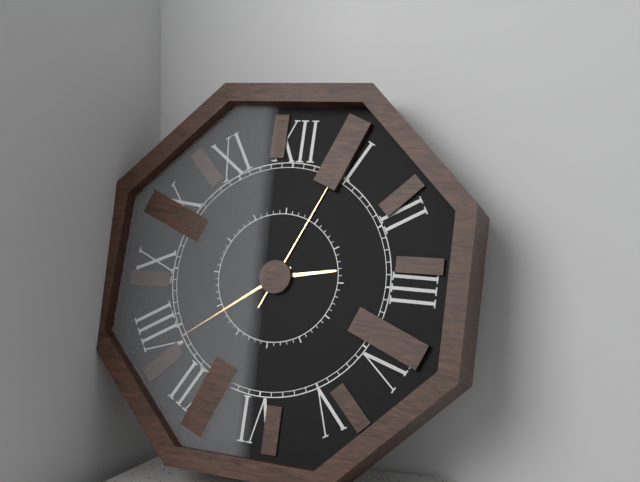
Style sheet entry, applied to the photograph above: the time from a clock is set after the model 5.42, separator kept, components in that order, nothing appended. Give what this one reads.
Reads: 2.39
